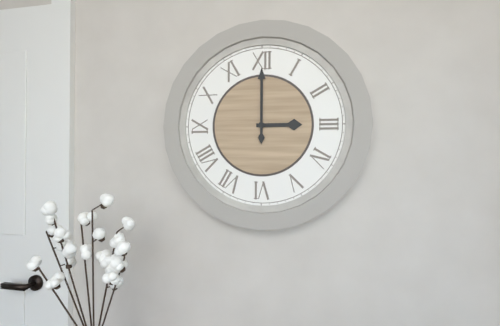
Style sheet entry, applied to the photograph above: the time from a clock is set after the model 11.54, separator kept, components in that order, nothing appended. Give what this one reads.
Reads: 3.00
